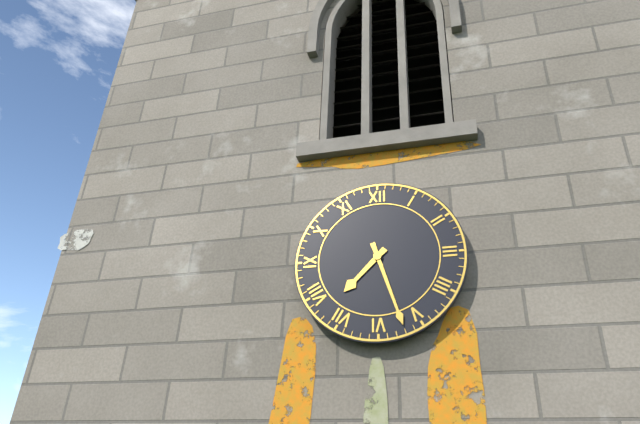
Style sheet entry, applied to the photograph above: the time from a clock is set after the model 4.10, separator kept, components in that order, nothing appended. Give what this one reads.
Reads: 7.27
